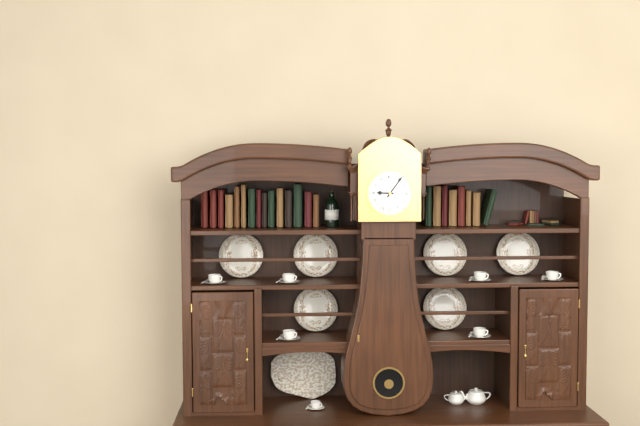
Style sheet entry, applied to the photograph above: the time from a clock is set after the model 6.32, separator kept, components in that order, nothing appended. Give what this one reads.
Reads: 9.06
